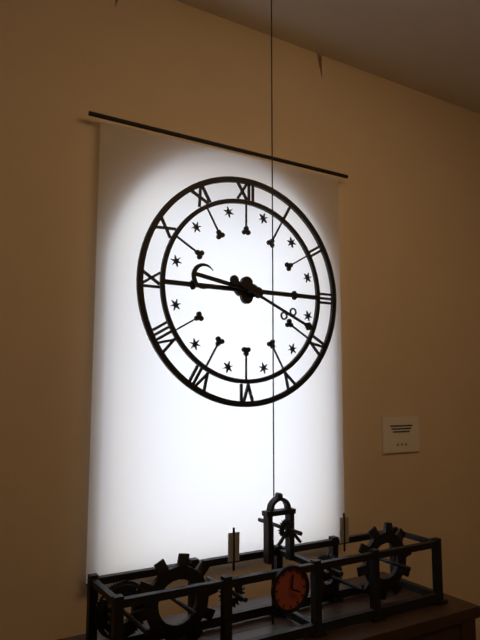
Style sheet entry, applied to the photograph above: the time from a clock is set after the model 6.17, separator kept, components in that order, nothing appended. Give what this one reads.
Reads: 9.19
